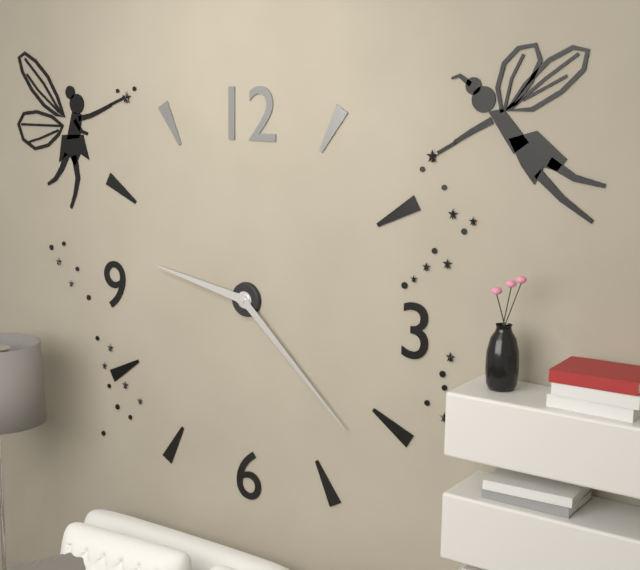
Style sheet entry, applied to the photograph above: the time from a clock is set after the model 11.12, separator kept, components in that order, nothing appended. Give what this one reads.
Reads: 9.22
